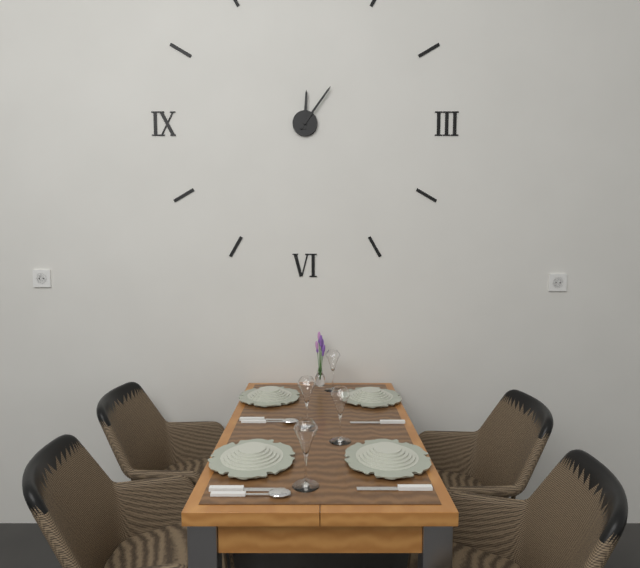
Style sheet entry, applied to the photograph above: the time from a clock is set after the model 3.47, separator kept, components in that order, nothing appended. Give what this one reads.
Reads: 12.06
